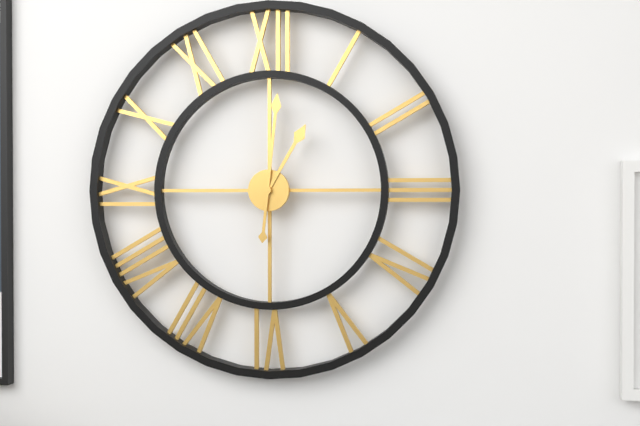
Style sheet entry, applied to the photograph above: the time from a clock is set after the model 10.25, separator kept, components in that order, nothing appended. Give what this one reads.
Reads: 1.01
